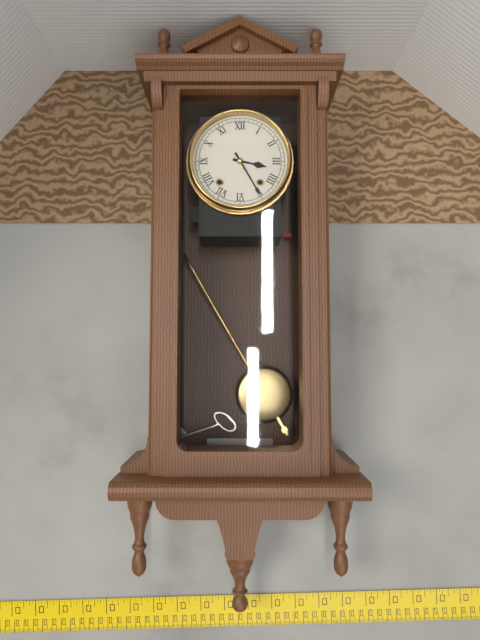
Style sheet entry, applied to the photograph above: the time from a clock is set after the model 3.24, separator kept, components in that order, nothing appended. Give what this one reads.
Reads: 3.25
